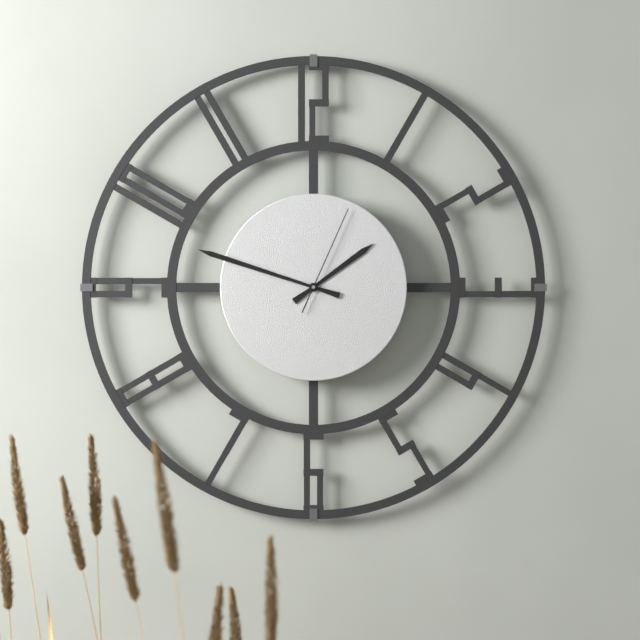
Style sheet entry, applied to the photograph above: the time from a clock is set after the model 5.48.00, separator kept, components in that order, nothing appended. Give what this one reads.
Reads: 1.48.04
